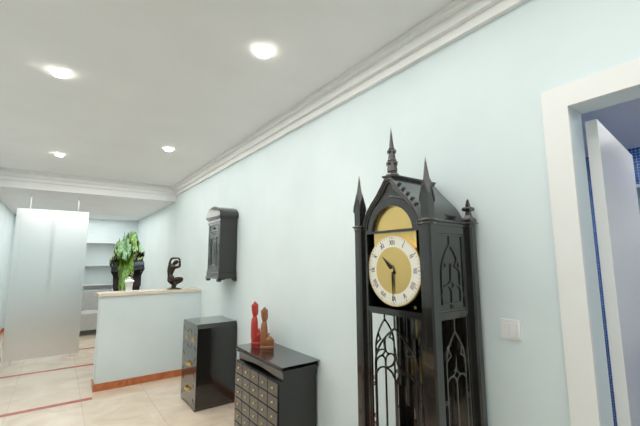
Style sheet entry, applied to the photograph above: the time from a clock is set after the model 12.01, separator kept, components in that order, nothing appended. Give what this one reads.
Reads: 10.30
